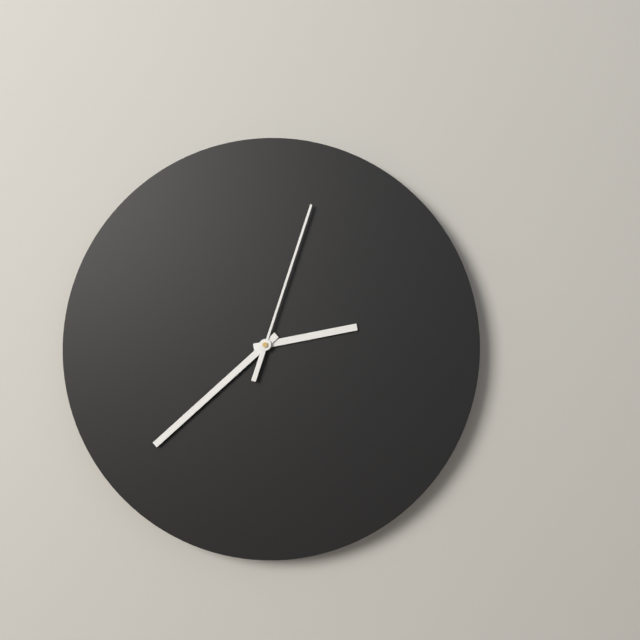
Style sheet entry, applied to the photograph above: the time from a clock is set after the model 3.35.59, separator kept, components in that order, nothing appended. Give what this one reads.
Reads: 2.38.03
